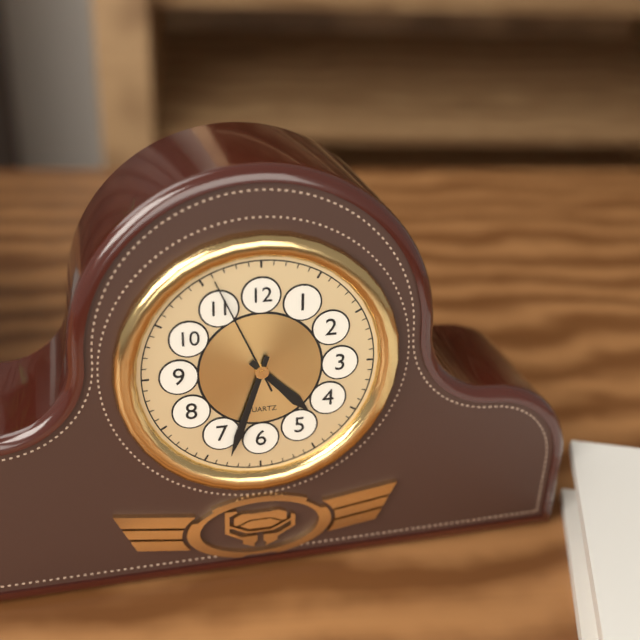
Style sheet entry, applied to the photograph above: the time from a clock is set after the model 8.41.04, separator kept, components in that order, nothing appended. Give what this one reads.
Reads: 4.33.56
